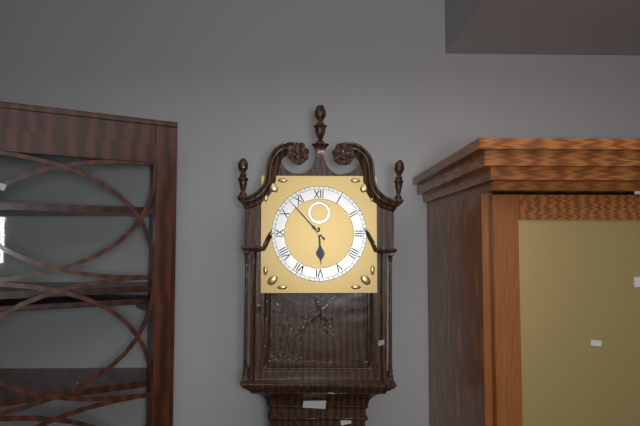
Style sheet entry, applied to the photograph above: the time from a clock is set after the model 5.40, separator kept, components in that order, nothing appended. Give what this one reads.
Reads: 5.53
